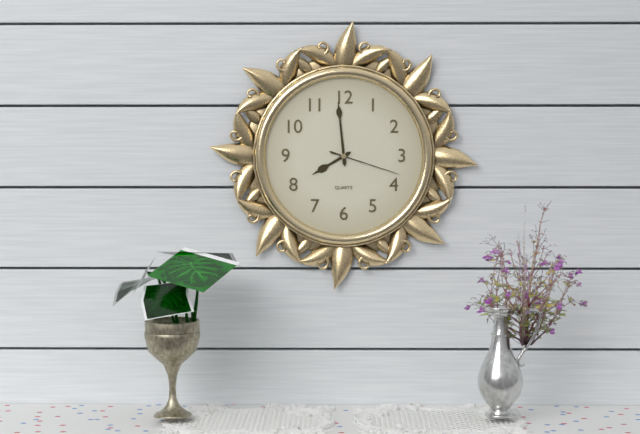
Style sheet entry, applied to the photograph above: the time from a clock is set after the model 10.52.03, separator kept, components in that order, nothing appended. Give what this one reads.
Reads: 7.59.18
